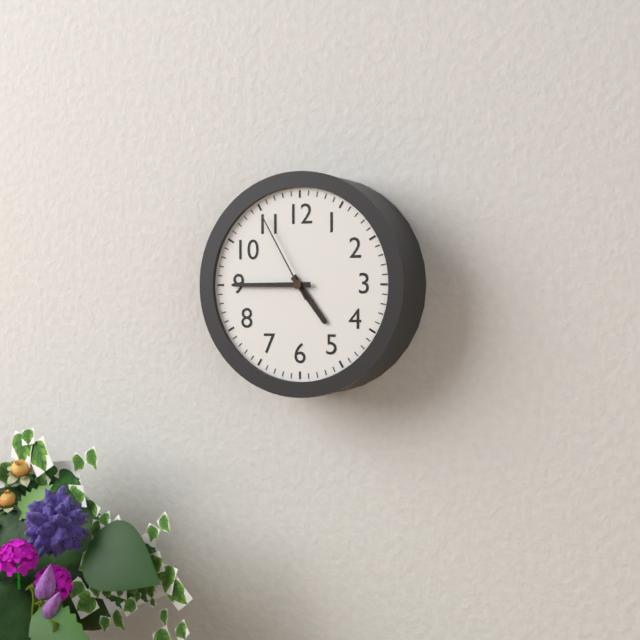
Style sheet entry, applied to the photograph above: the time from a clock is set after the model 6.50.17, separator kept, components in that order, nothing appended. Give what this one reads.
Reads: 4.45.55
